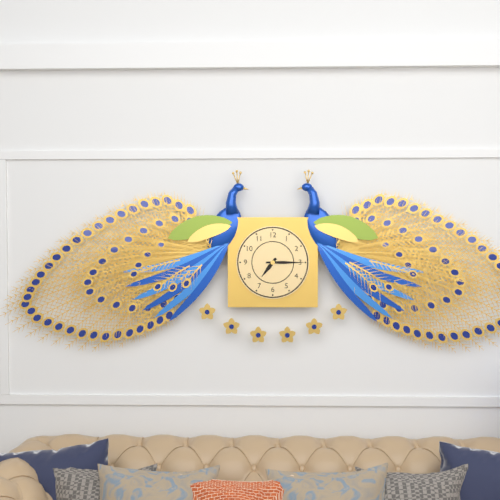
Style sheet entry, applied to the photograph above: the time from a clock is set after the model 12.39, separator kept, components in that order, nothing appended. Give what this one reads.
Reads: 7.15
